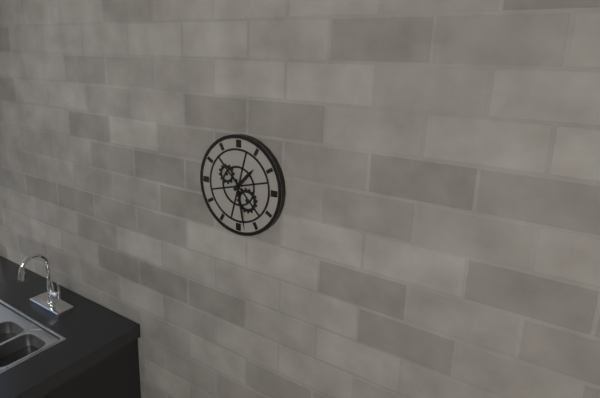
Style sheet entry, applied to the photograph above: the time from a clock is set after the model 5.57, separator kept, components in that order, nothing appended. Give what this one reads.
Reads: 1.28
